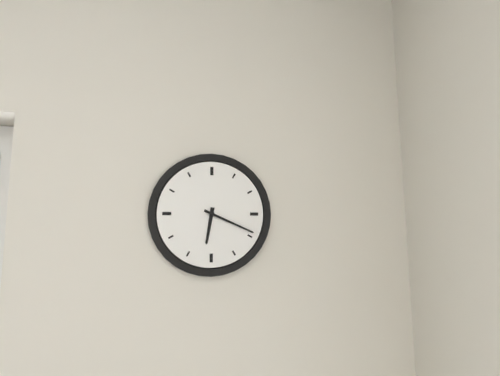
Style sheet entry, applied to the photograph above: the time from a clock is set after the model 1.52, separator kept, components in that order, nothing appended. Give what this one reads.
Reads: 6.19
